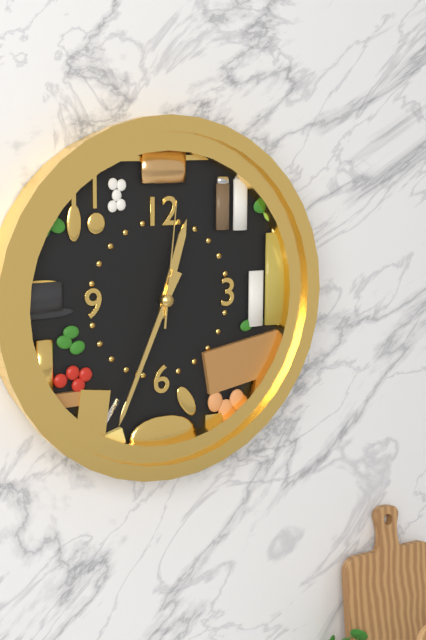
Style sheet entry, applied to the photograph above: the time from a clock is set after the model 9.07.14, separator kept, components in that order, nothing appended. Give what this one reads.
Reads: 12.34.01
